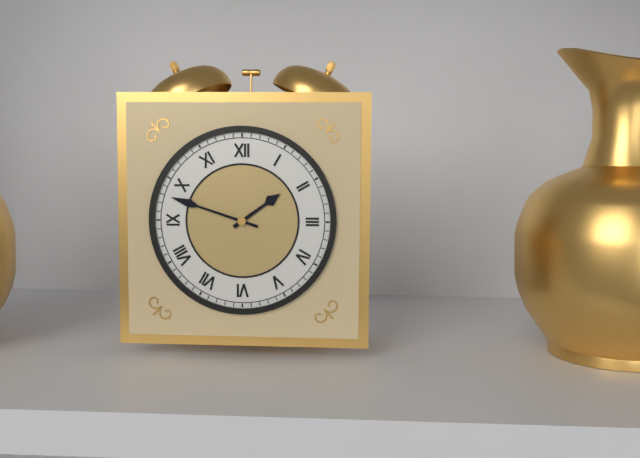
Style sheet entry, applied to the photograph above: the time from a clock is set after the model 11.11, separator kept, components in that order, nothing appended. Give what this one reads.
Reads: 1.48
